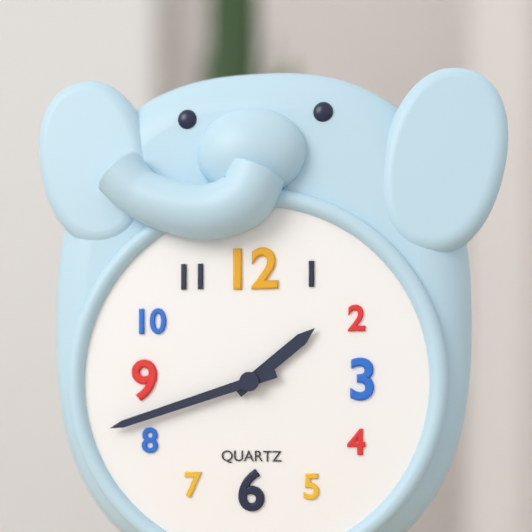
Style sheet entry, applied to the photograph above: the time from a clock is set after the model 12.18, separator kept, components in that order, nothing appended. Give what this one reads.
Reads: 1.42
